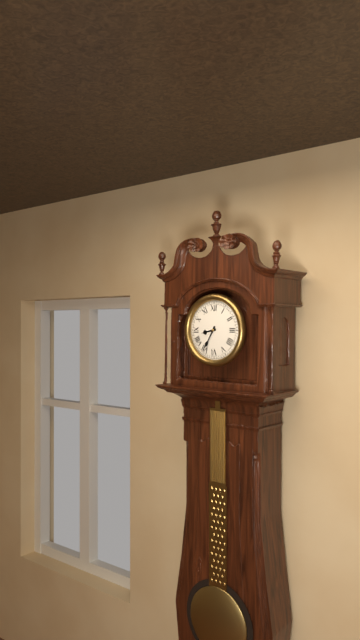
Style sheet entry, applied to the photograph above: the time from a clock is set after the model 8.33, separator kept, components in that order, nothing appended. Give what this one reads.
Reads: 8.35
